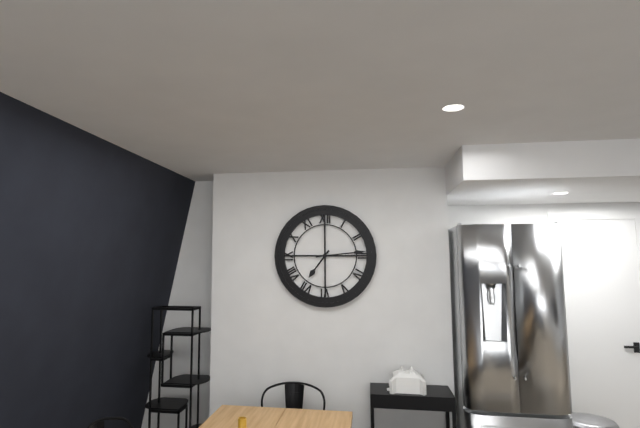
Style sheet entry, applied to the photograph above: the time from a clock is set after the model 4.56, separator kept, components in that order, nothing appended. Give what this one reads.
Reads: 7.14
